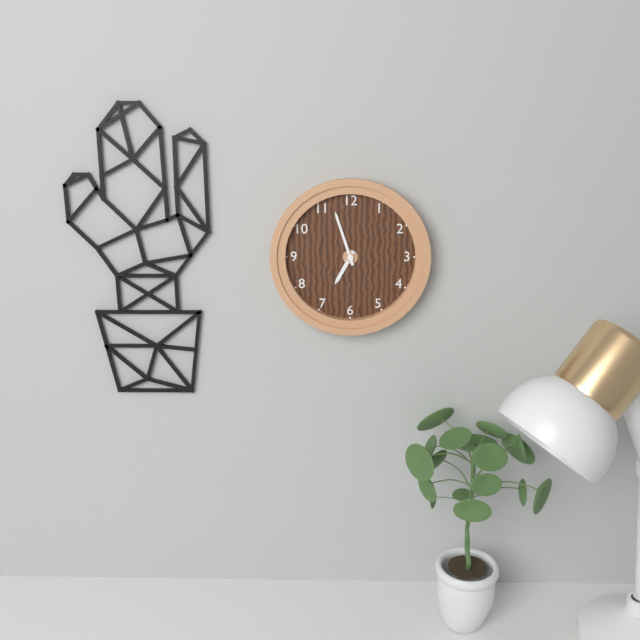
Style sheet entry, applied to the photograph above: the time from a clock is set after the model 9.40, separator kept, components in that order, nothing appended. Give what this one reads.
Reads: 6.57
